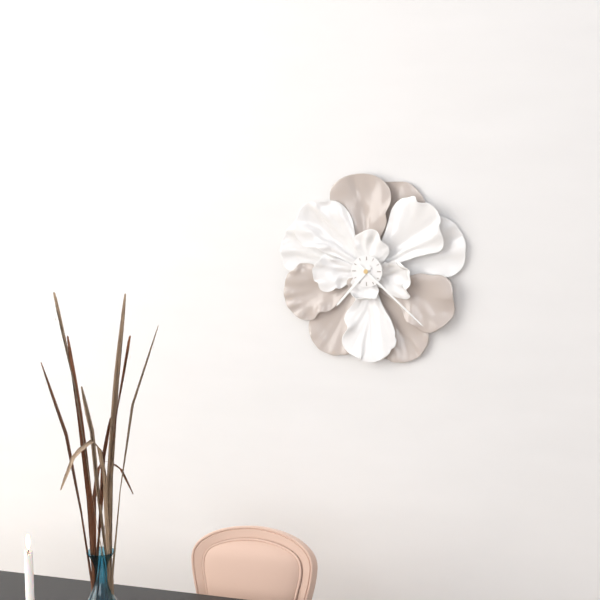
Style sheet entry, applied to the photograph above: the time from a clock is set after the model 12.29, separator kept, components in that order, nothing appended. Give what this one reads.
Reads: 7.22
